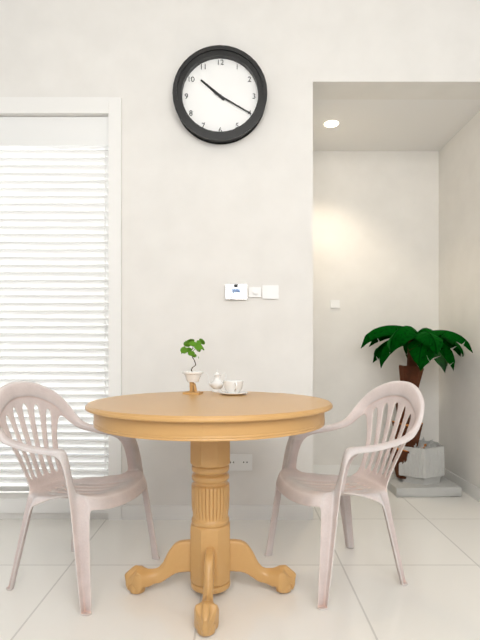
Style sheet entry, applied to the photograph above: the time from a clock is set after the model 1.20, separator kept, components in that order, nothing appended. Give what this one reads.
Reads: 10.20
